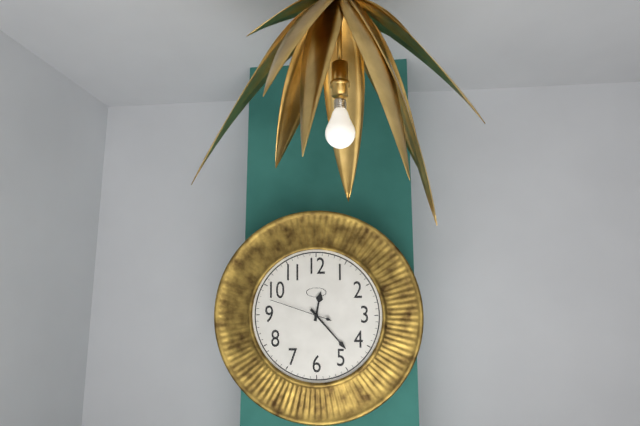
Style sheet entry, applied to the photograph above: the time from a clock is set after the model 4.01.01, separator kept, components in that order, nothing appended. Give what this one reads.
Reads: 12.23.48
